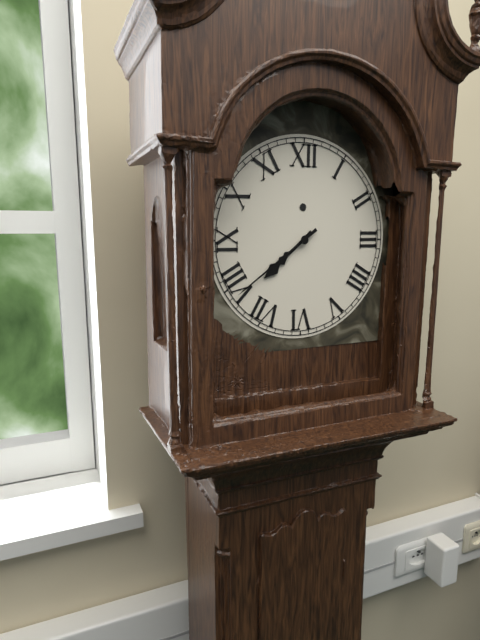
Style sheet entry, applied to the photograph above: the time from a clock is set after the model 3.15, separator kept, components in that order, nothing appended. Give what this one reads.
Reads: 7.39
